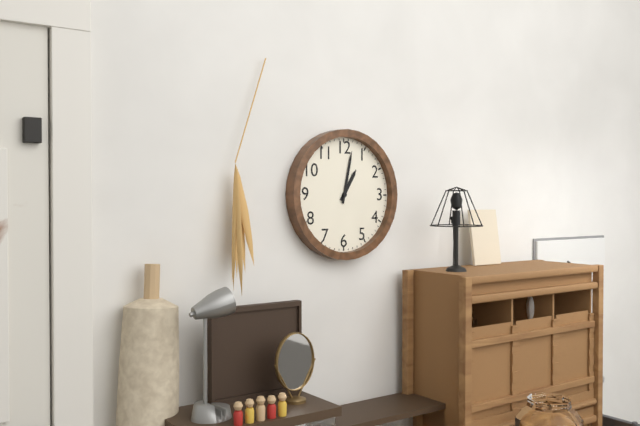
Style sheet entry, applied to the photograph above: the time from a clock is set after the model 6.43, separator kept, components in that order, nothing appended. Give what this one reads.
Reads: 1.02
